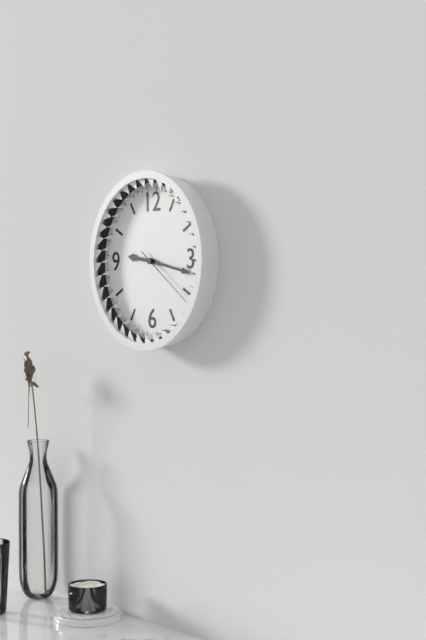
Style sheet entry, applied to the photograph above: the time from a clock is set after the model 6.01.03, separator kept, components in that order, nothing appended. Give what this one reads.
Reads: 9.17.21
